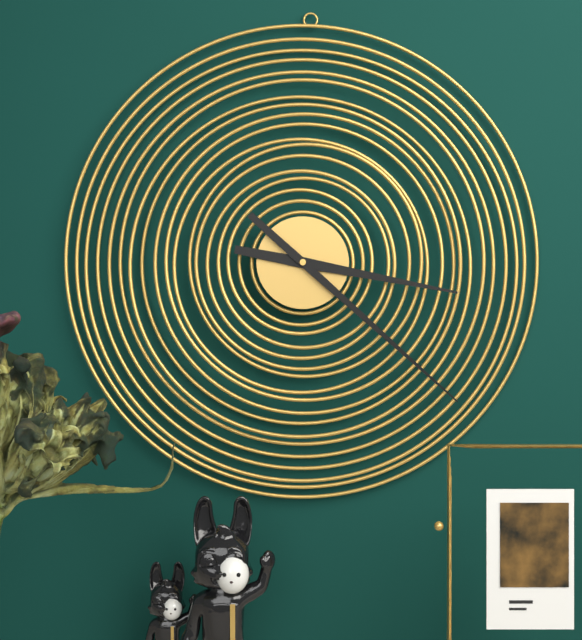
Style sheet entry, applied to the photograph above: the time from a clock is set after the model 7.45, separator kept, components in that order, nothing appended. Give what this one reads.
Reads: 3.22
